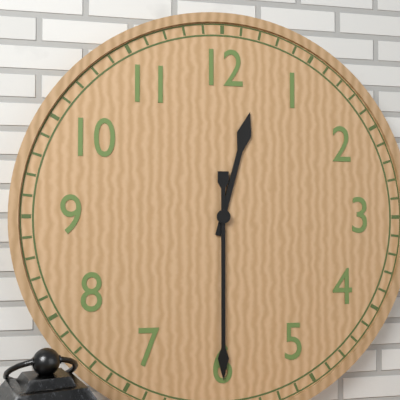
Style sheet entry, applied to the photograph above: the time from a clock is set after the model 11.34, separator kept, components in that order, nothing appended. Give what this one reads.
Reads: 12.30
